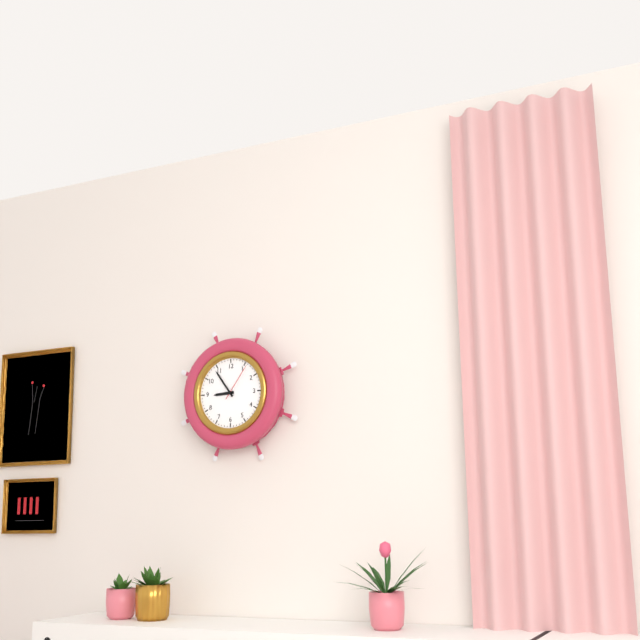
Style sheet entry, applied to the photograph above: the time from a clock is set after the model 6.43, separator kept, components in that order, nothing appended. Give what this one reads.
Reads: 8.54
